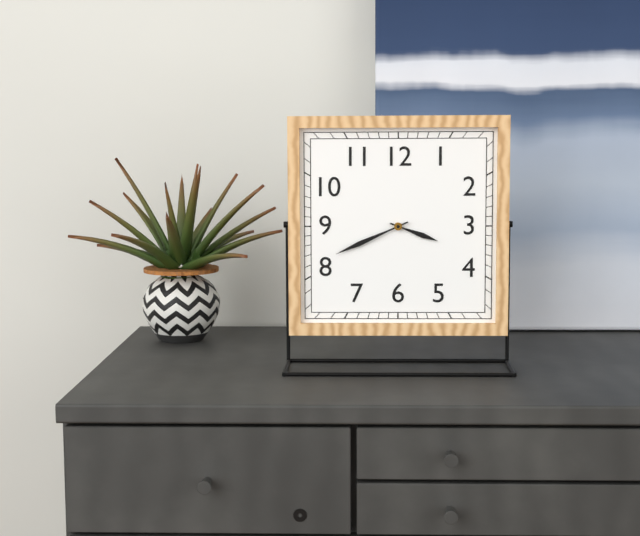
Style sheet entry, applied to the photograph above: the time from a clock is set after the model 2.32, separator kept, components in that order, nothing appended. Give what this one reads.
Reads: 3.41
